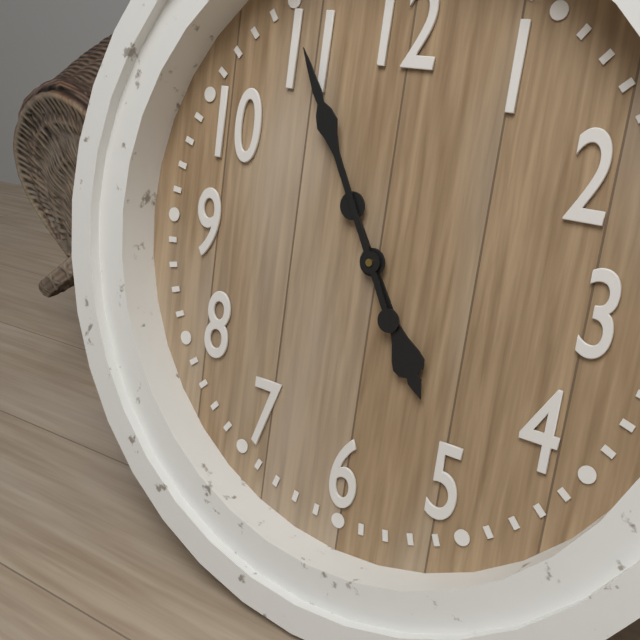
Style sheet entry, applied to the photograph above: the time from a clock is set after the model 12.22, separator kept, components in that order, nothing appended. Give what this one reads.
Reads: 4.55
